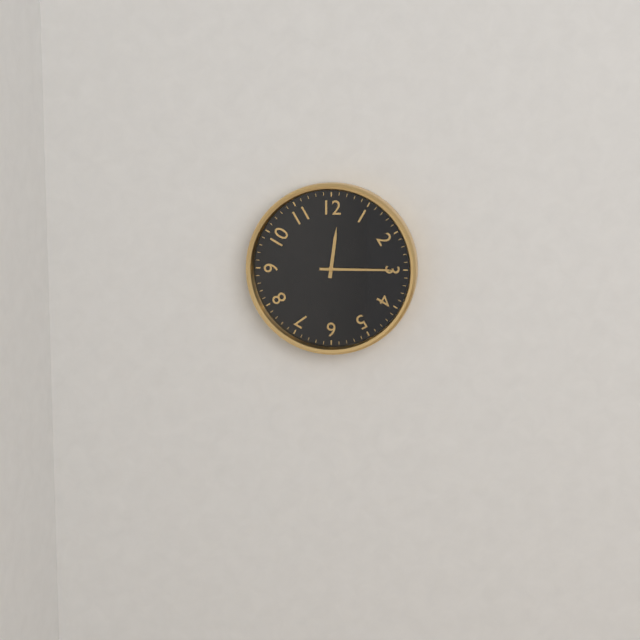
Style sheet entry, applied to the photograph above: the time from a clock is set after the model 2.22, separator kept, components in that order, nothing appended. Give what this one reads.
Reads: 12.15
